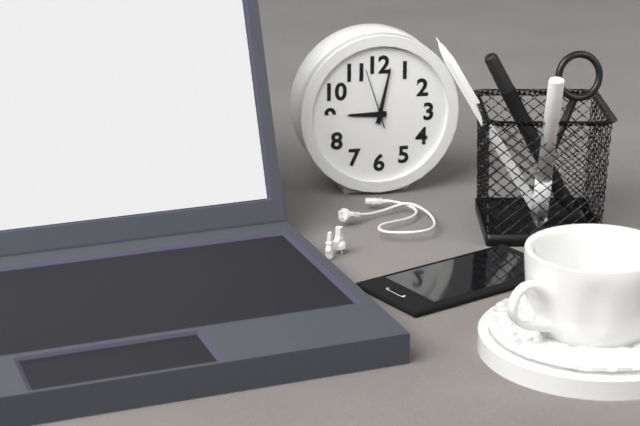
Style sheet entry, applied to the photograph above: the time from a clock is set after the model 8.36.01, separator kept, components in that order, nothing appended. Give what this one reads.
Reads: 9.02.57
